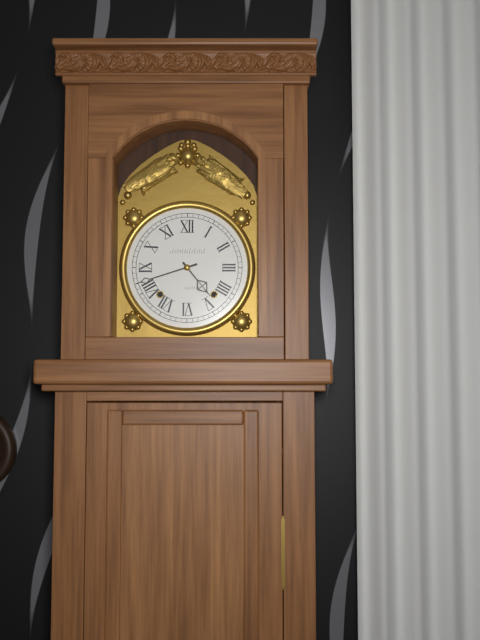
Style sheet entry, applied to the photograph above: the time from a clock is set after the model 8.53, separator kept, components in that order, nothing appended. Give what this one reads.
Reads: 4.42
